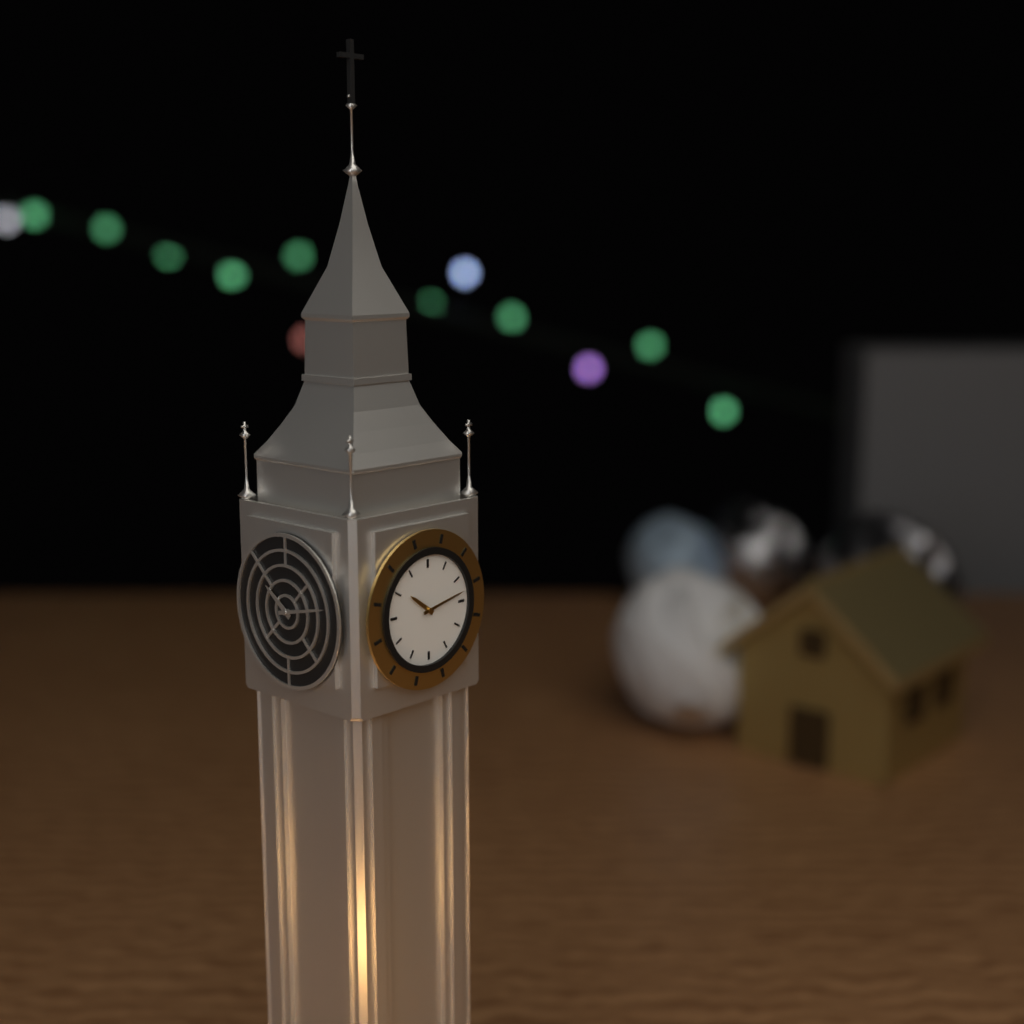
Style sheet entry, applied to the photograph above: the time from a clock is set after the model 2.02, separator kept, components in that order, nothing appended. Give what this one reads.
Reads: 10.13
